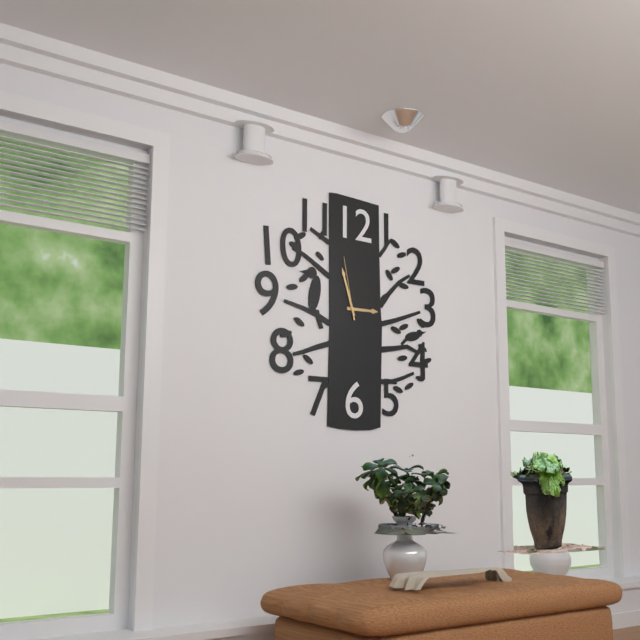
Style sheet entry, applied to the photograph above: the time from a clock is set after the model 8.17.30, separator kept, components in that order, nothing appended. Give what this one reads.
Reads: 2.57.58
